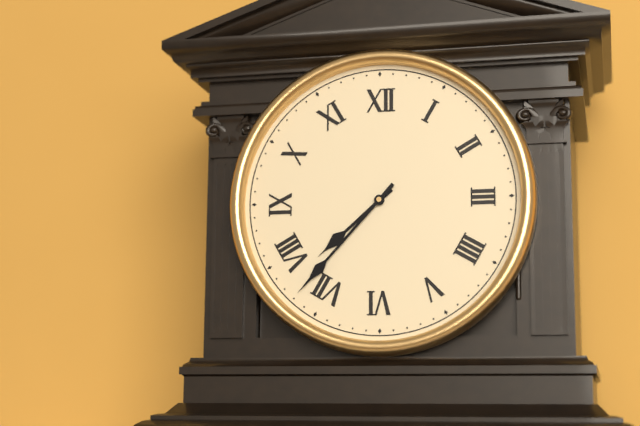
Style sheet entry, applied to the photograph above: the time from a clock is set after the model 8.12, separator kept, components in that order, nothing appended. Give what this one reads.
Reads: 7.37
